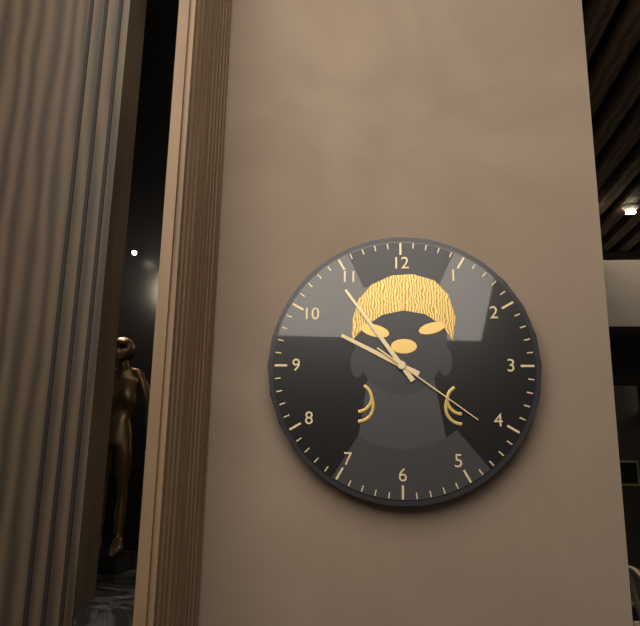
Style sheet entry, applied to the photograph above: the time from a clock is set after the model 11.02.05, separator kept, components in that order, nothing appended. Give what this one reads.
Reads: 9.54.21
